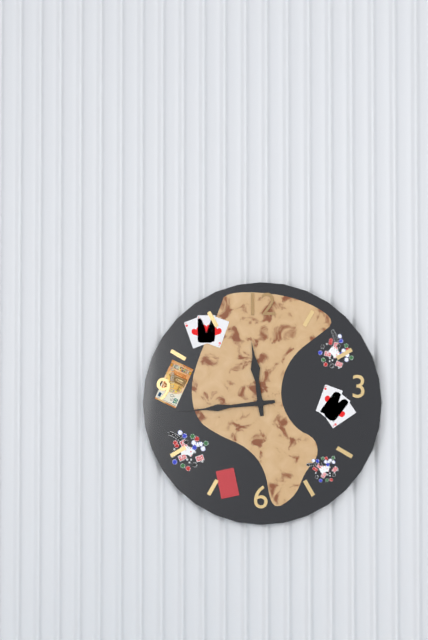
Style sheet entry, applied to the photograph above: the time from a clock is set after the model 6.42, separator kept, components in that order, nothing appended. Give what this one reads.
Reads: 11.44
